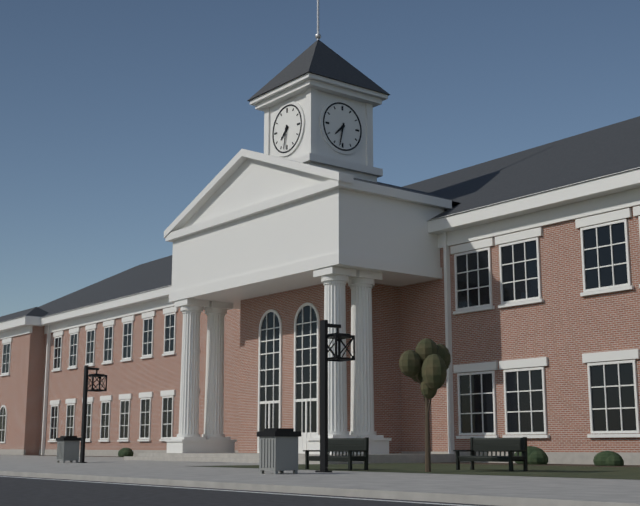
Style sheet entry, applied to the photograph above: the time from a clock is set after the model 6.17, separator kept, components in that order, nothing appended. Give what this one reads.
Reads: 7.32
